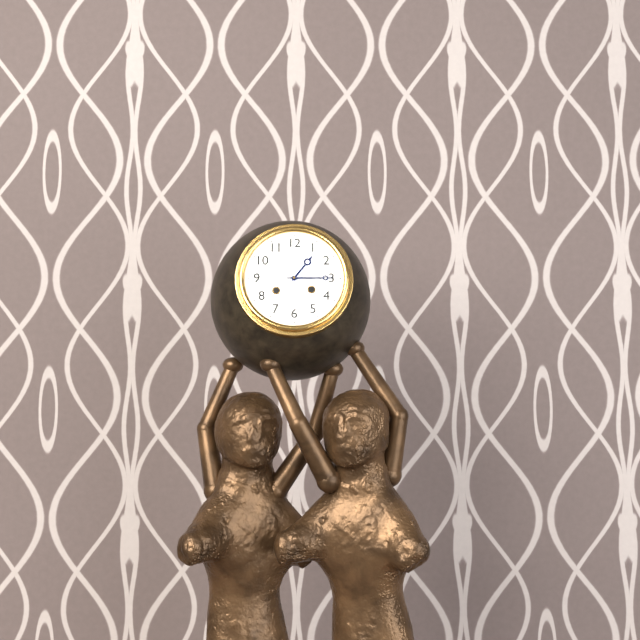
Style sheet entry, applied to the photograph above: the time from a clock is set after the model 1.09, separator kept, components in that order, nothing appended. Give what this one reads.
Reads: 1.15
